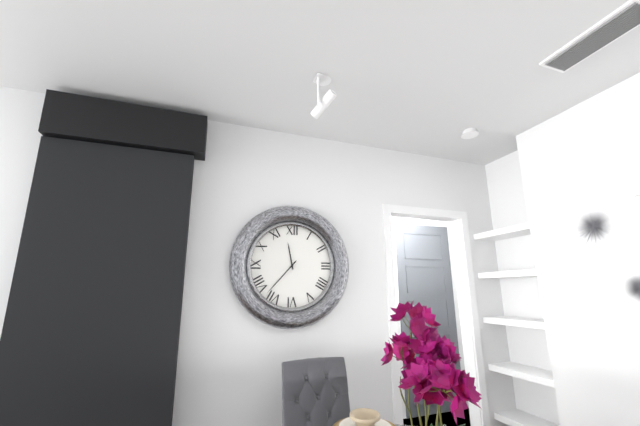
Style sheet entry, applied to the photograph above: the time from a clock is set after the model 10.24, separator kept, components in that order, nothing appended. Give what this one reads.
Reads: 11.37
